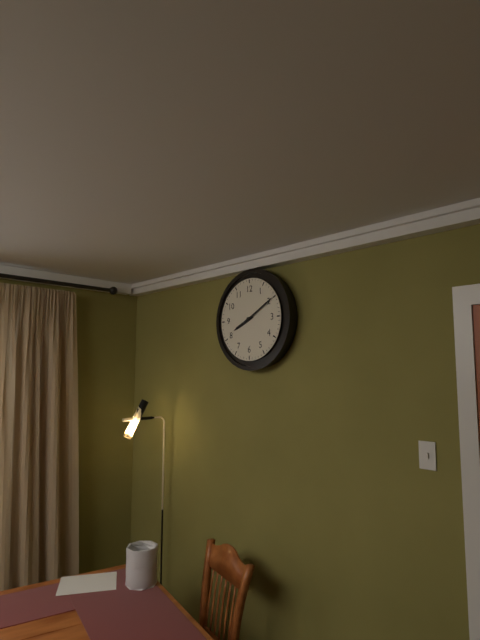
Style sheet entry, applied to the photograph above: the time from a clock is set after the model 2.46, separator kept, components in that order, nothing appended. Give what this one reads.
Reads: 8.10
